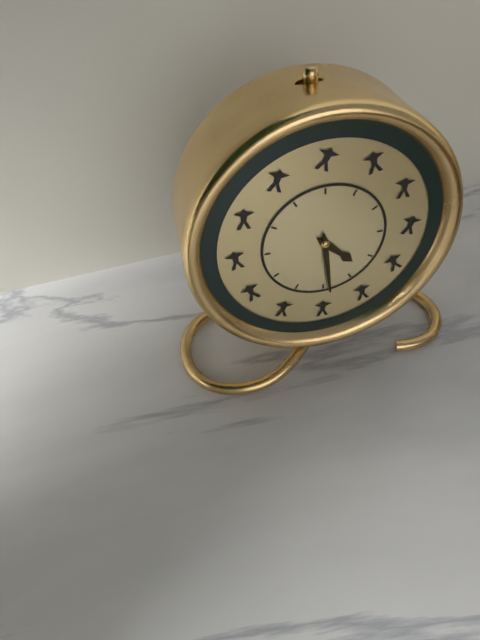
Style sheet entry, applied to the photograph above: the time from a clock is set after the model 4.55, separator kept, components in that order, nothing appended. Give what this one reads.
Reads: 4.29
